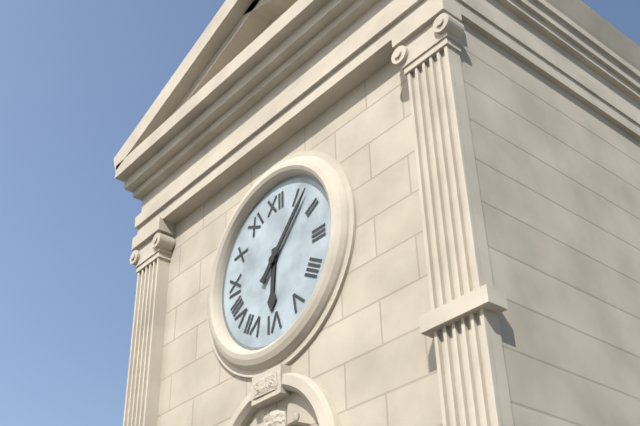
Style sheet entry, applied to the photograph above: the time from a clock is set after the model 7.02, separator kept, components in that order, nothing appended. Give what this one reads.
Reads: 6.07
